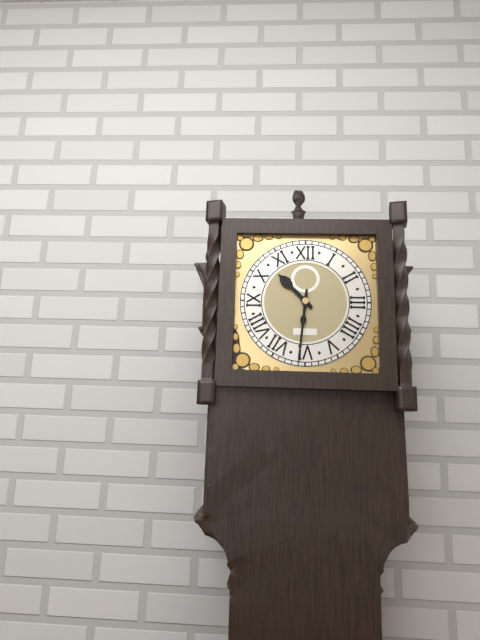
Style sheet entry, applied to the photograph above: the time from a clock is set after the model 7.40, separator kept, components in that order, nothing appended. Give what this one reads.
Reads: 10.31
